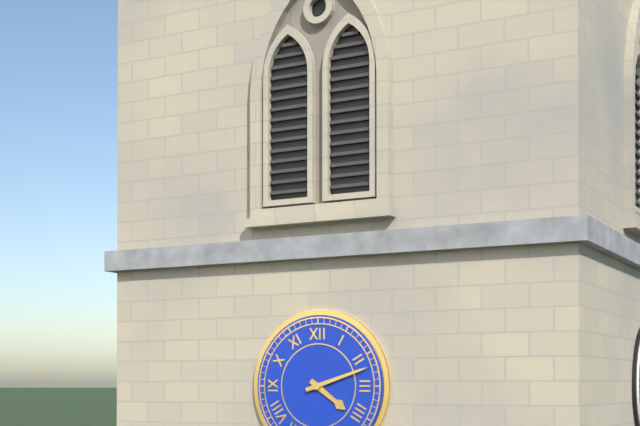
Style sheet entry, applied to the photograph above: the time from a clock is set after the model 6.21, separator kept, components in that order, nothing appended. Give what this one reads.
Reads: 4.12
